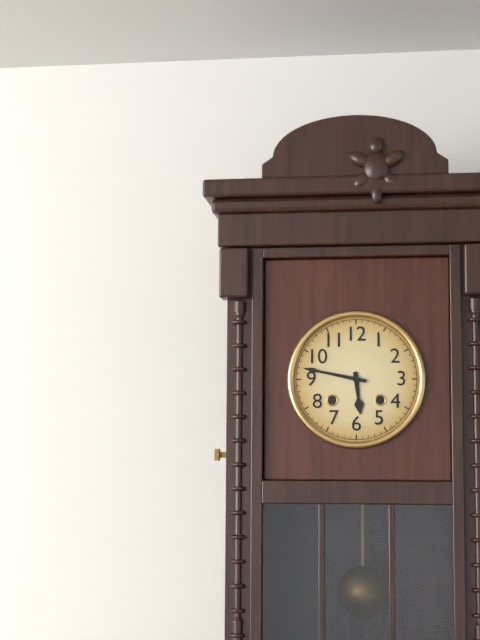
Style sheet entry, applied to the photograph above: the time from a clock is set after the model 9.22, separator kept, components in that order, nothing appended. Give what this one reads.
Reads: 5.47
